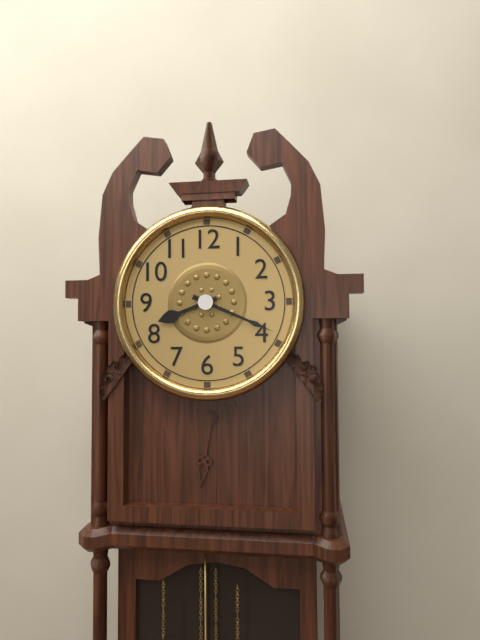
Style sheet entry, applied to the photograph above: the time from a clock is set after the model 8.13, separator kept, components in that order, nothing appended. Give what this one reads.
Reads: 8.19
